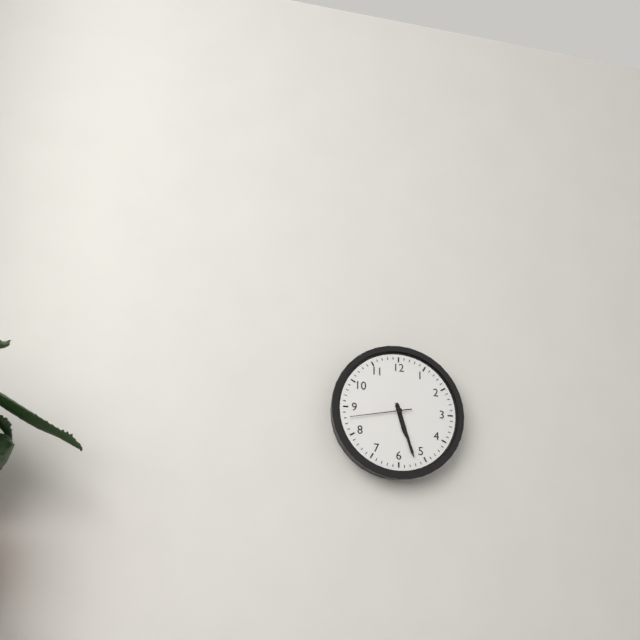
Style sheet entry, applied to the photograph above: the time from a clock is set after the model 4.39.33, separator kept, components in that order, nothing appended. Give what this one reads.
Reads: 5.27.43
